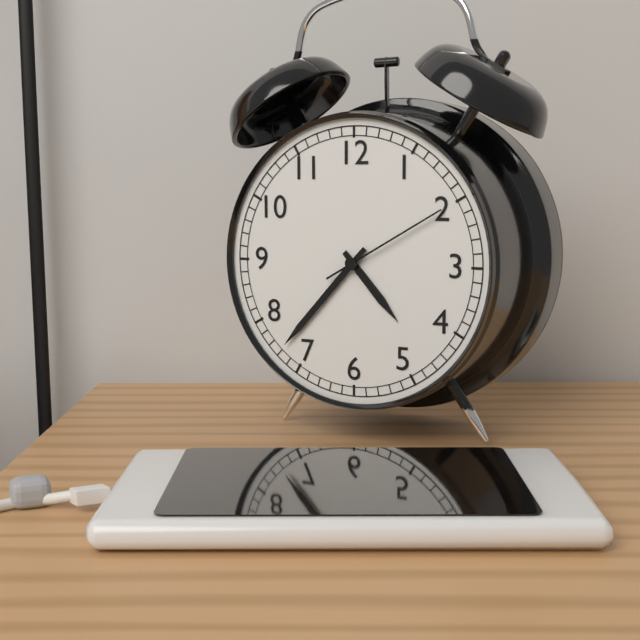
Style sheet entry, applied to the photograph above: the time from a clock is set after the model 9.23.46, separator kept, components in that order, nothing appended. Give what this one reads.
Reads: 4.37.10
